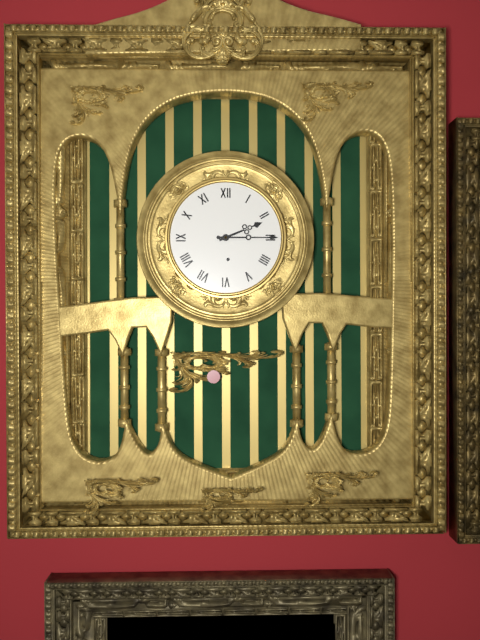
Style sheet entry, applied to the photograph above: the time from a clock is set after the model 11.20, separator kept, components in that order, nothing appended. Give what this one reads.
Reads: 2.15
